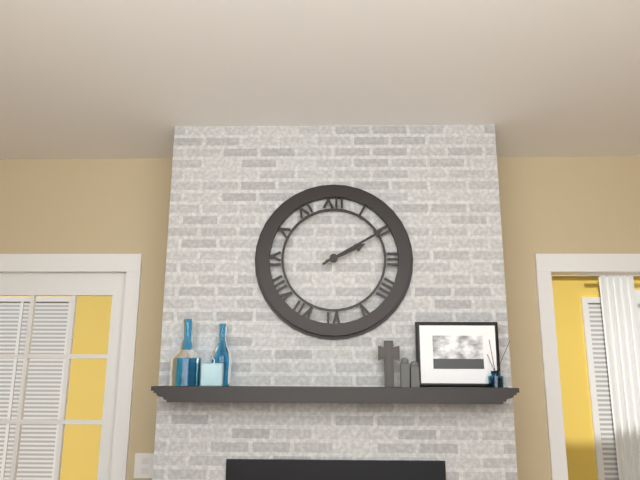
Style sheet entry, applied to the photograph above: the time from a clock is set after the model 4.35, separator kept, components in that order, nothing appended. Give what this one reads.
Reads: 2.10
